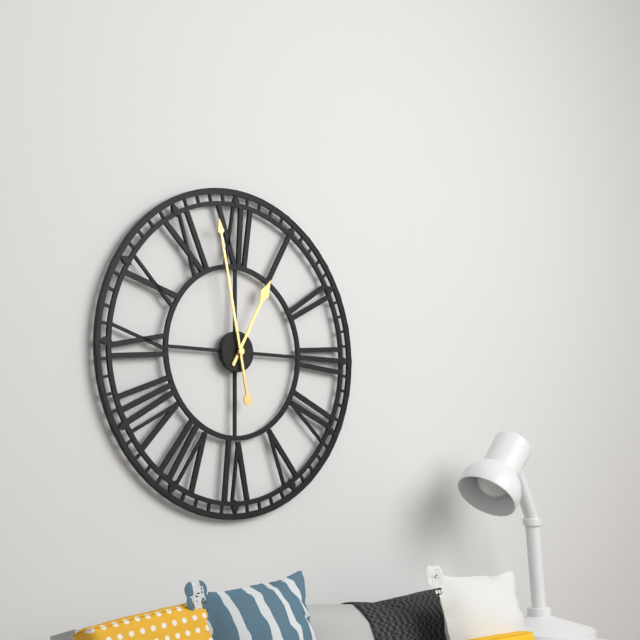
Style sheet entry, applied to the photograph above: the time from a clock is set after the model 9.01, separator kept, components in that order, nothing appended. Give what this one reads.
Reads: 12.58
